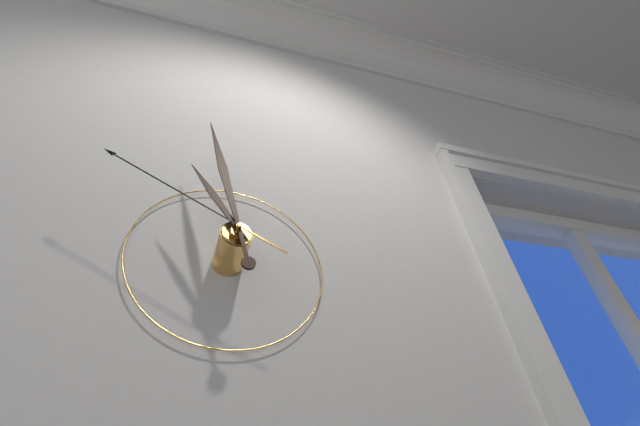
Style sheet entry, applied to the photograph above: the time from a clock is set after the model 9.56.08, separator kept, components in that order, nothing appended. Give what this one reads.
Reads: 10.58.50
